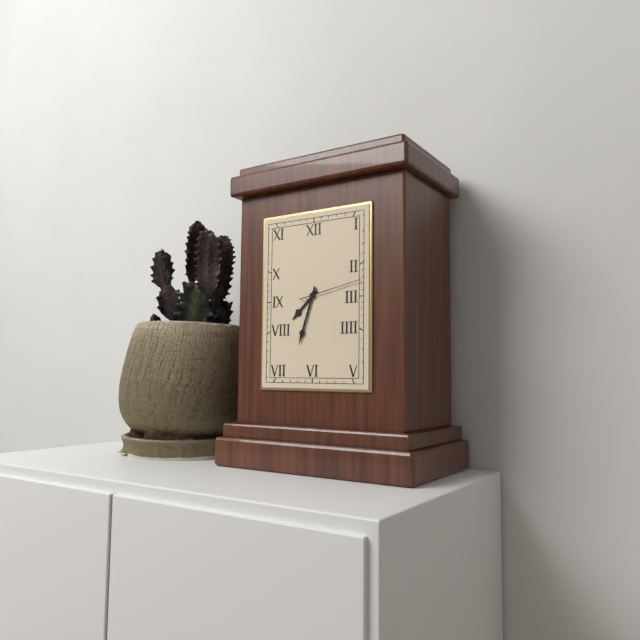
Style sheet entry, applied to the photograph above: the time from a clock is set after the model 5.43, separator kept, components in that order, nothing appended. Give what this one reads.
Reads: 7.33
